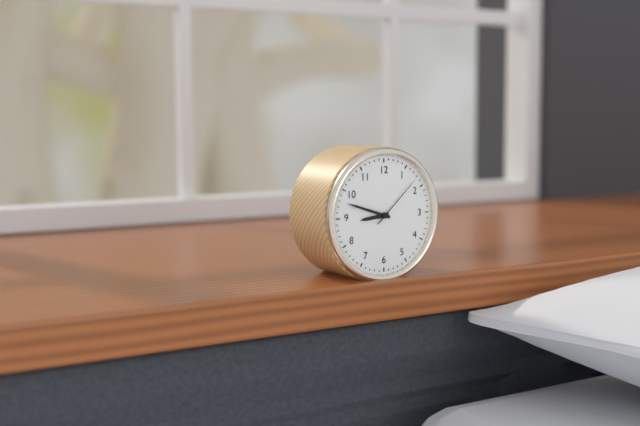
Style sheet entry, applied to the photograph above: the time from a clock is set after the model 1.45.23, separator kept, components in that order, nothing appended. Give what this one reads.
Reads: 8.48.08
